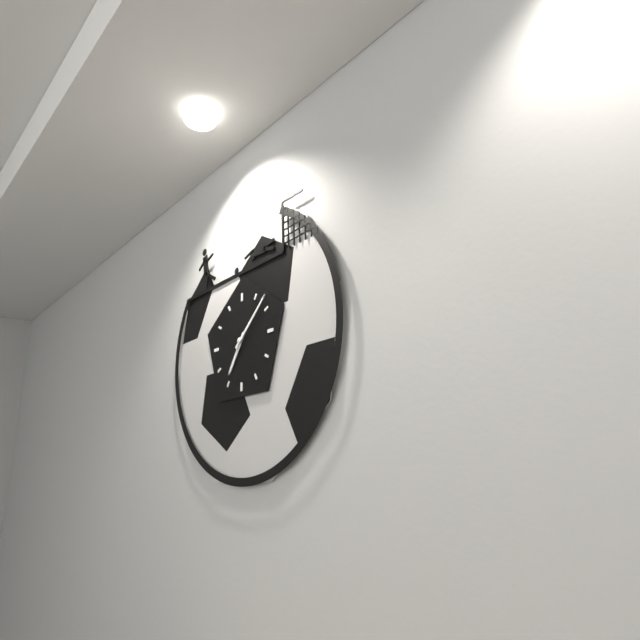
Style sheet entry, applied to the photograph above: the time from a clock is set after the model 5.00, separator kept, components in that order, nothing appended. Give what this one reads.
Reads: 7.08
